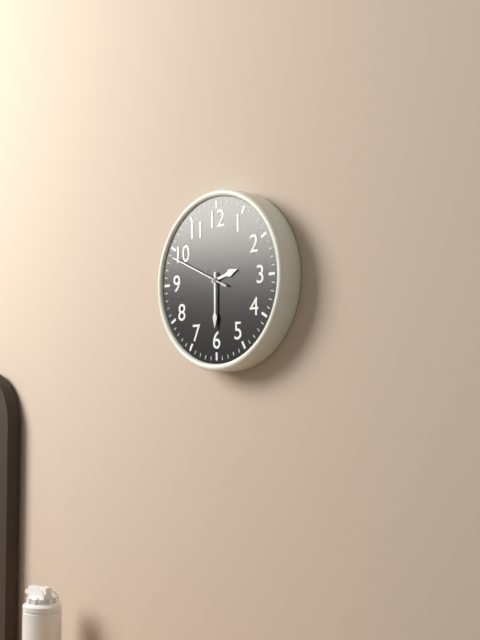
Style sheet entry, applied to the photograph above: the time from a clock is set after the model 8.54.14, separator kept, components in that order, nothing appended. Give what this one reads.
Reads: 2.30.49
